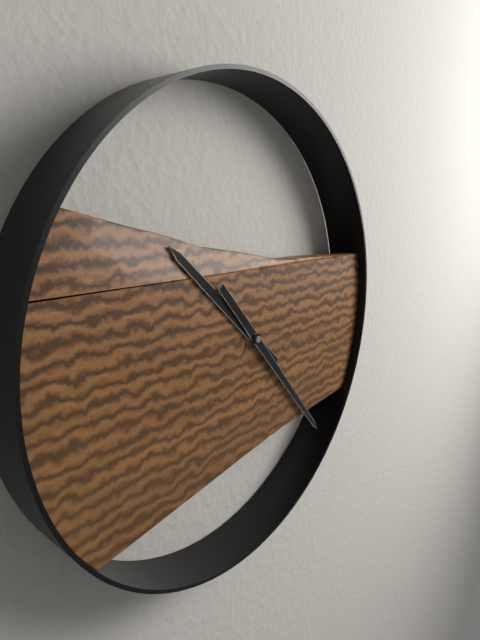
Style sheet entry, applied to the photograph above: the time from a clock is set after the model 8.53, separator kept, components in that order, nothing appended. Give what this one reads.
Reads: 10.23
